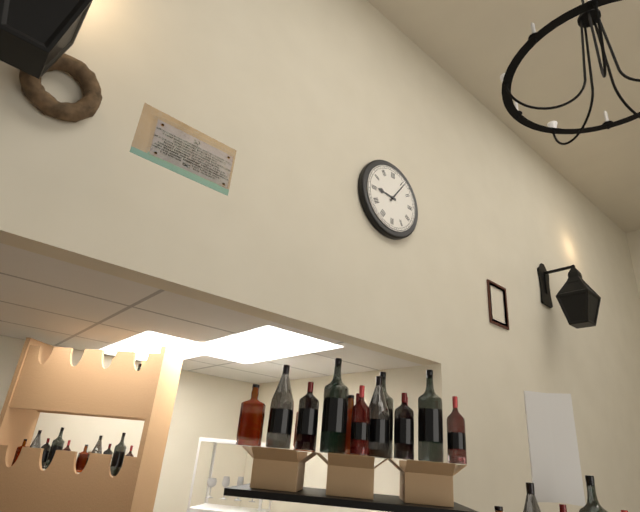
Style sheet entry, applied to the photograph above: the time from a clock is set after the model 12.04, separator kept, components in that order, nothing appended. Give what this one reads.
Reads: 9.06
